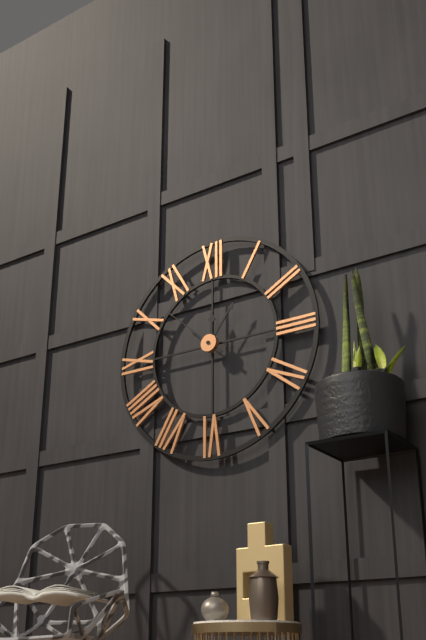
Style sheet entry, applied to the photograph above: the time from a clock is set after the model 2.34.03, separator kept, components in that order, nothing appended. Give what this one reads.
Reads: 12.06.52
